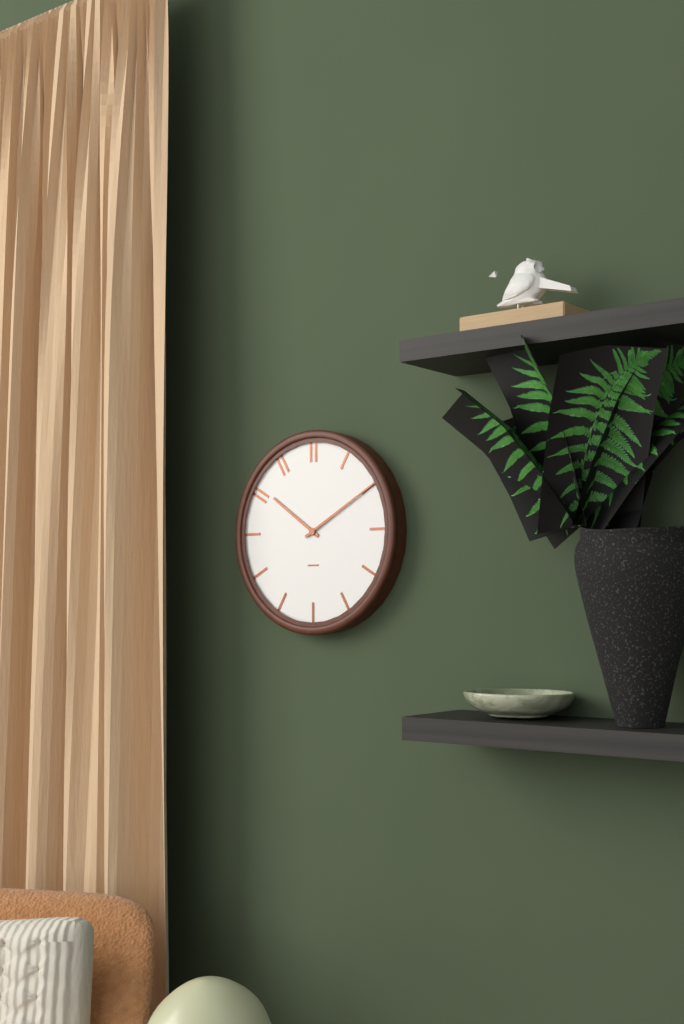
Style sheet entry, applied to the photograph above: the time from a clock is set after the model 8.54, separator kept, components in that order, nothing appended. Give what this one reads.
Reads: 10.10
